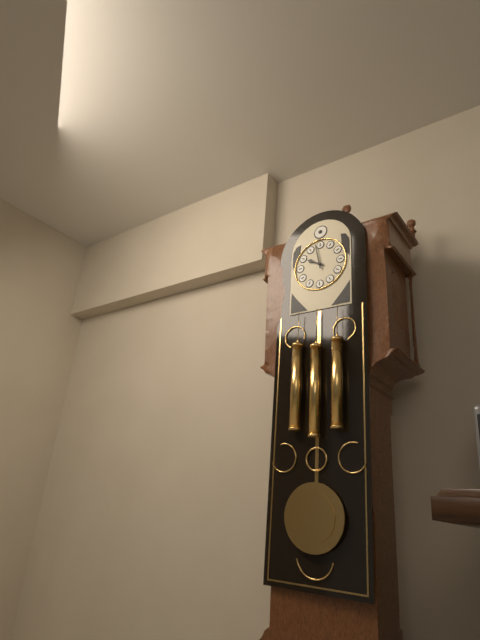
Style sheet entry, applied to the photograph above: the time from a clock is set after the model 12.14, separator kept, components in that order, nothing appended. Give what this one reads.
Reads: 9.58
